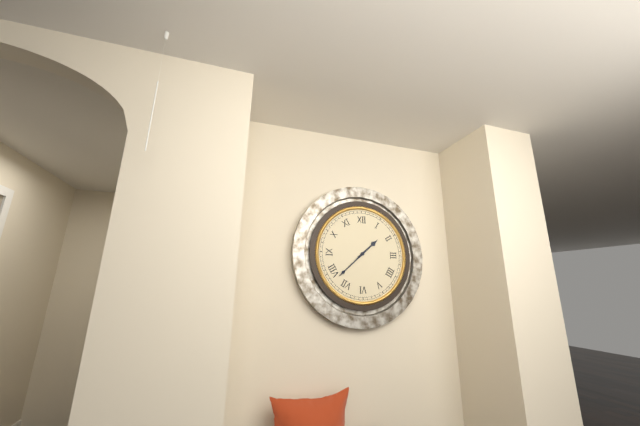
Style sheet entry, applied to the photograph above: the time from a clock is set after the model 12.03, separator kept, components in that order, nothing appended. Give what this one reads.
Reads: 1.38
